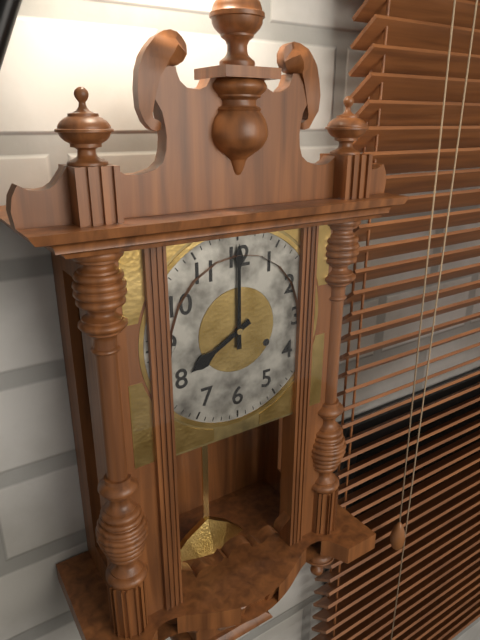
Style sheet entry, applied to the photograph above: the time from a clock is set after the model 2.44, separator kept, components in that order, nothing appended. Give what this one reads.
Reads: 8.00
